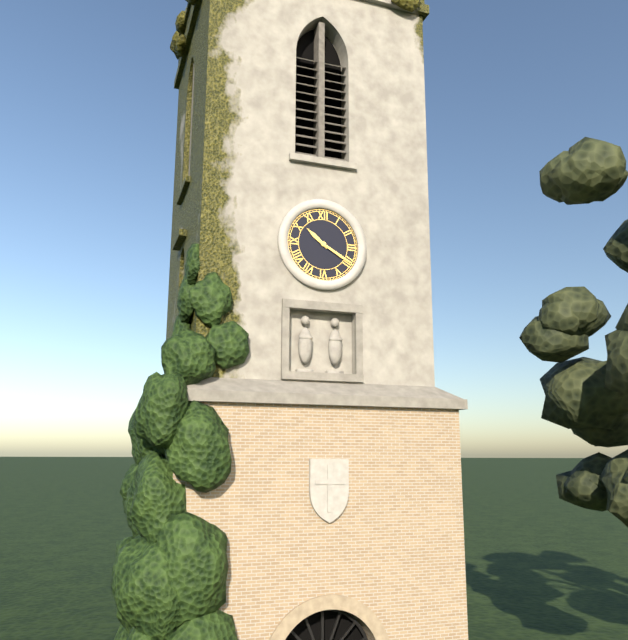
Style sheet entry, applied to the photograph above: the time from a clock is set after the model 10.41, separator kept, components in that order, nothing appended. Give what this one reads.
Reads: 10.20
